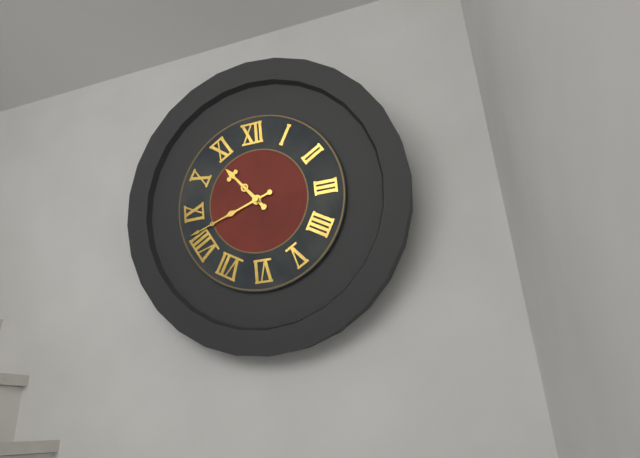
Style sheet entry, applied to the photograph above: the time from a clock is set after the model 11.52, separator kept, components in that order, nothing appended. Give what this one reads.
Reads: 10.42
